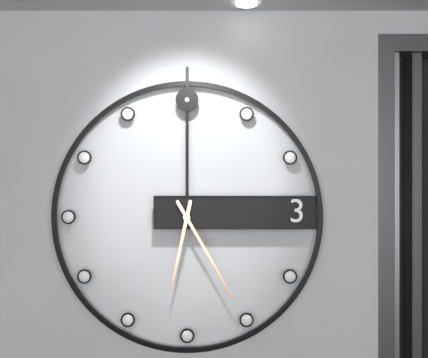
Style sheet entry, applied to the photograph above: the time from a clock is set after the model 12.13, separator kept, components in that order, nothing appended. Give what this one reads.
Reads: 6.25
